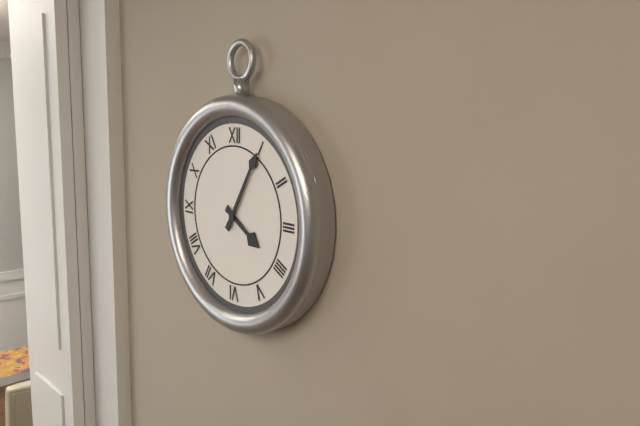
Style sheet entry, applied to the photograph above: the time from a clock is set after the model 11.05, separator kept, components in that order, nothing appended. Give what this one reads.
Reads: 4.05
